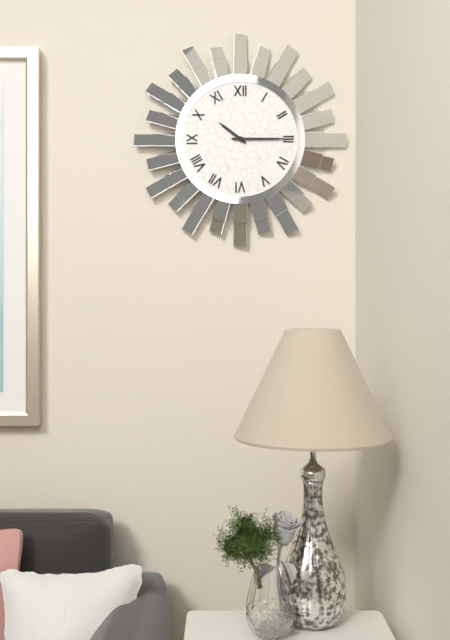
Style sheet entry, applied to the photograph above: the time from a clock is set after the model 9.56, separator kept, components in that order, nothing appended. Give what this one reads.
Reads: 10.15
